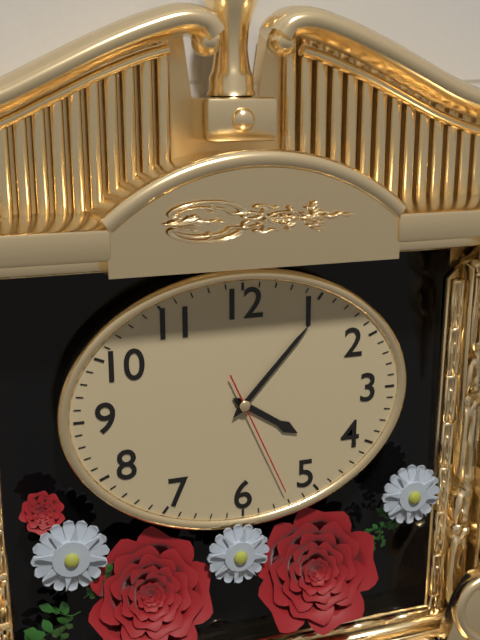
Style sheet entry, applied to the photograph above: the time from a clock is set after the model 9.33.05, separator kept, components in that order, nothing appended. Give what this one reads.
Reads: 4.07.26
